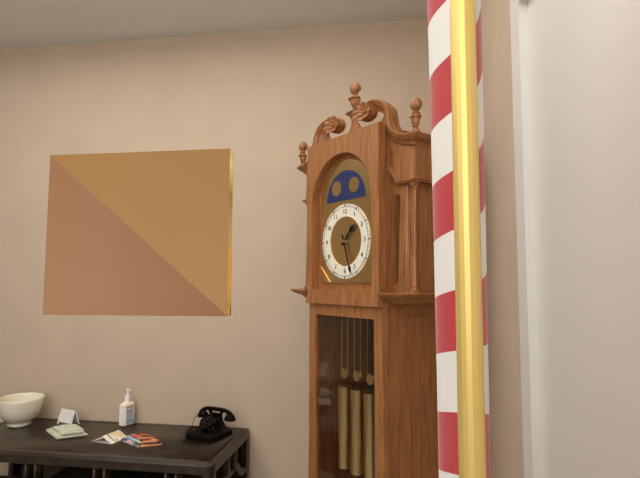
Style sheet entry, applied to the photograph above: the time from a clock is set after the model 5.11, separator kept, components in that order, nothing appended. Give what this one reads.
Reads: 1.27
